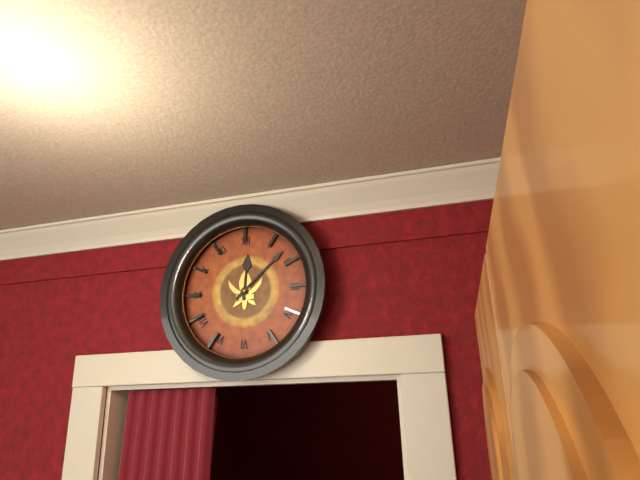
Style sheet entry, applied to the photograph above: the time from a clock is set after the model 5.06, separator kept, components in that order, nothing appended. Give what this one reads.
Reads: 12.08
